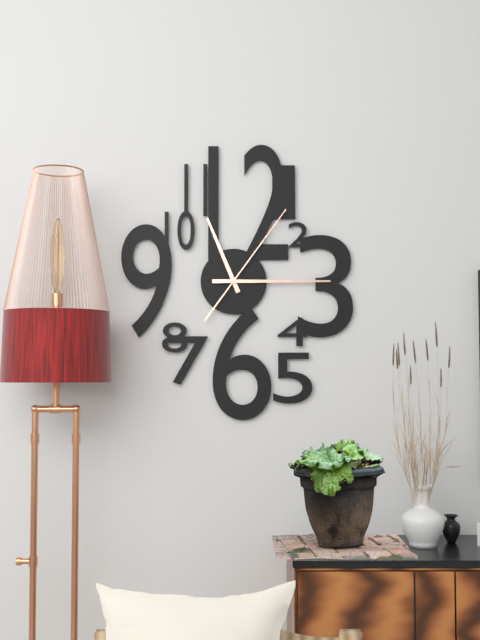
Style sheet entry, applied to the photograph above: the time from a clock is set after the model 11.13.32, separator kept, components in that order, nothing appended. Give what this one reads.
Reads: 11.15.06
